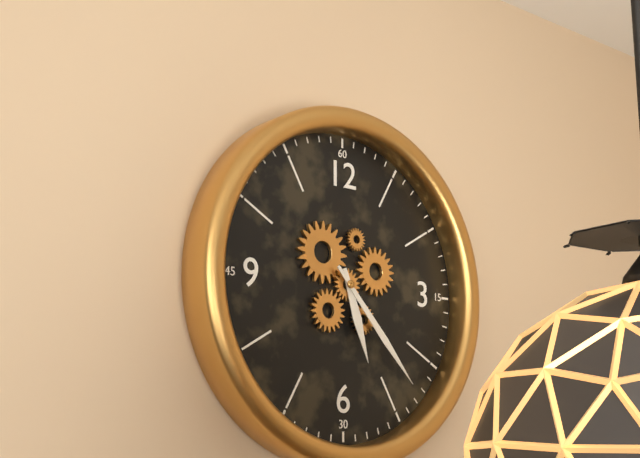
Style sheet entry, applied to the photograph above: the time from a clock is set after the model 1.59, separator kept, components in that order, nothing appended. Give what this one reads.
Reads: 5.23
